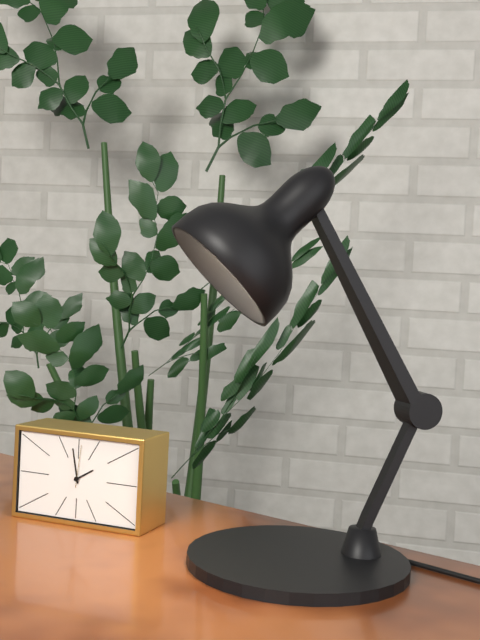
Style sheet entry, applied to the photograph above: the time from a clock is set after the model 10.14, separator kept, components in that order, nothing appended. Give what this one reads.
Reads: 1.58
